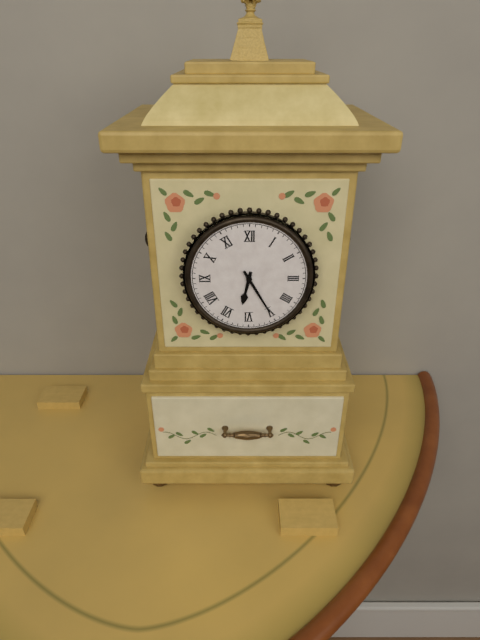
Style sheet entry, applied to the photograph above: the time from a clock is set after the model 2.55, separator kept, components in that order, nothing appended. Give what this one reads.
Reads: 6.25
